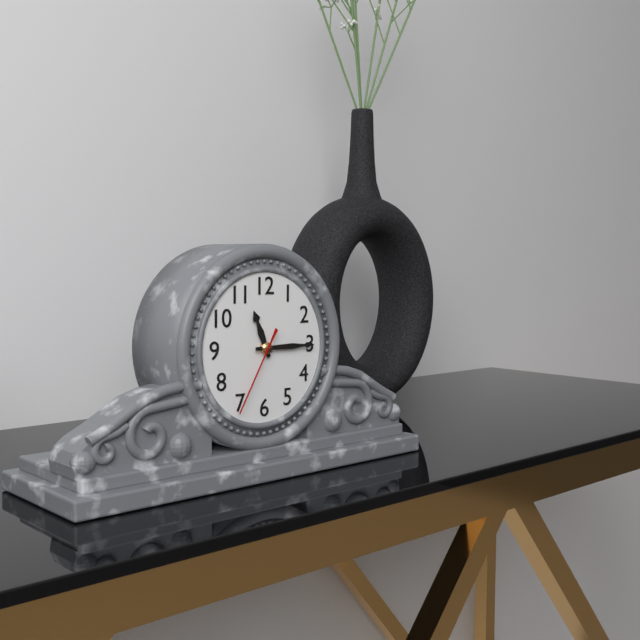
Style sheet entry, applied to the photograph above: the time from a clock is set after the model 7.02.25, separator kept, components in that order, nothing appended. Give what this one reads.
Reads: 11.15.35
